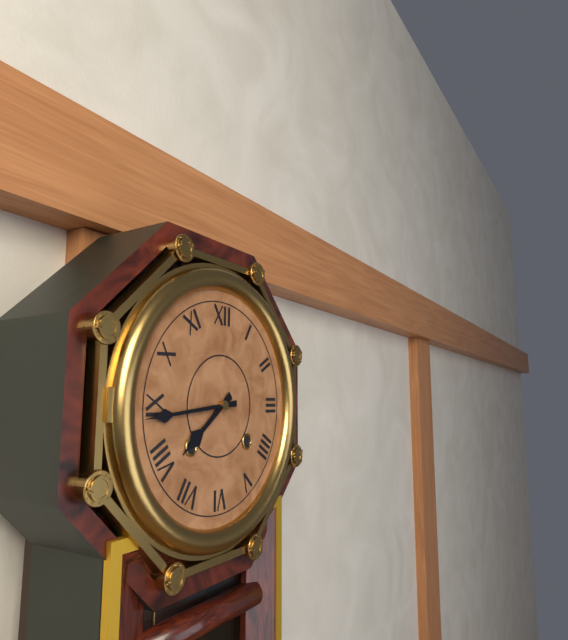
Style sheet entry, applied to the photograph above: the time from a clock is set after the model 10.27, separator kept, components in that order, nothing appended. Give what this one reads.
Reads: 7.44
